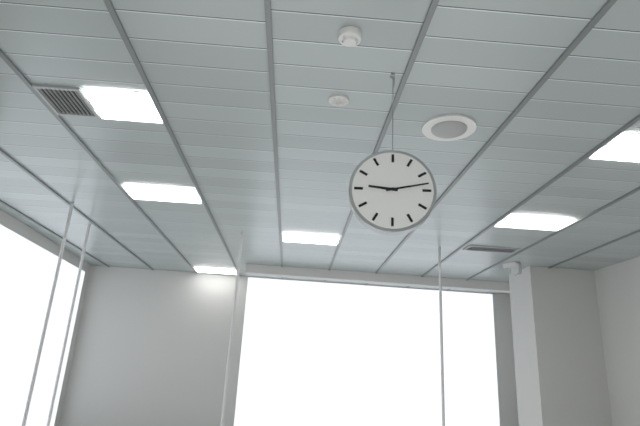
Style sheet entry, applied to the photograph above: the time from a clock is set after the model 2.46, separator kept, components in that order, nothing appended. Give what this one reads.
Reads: 9.13
